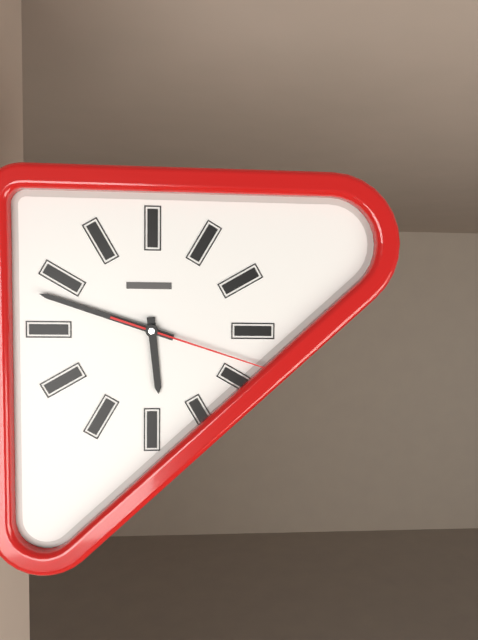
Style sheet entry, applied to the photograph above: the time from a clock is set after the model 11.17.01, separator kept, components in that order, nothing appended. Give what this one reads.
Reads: 5.48.18
